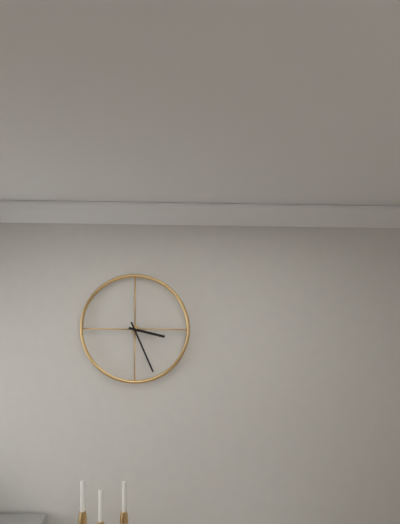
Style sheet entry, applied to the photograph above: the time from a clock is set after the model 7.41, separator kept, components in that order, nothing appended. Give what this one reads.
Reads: 3.26
